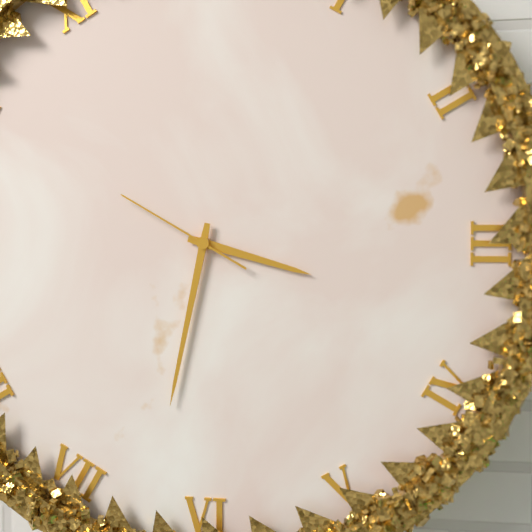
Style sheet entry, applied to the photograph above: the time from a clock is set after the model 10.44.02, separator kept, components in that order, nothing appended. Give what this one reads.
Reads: 3.32.50
